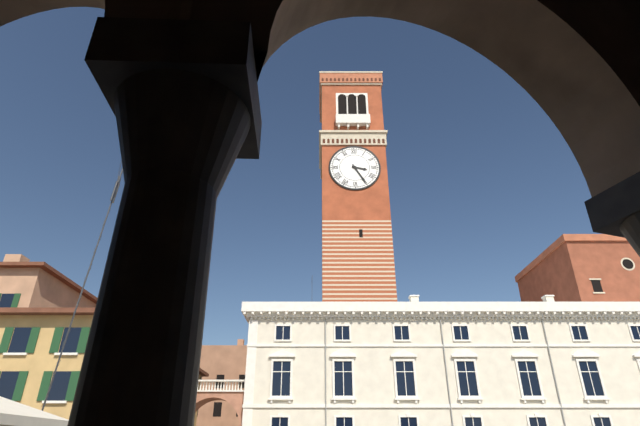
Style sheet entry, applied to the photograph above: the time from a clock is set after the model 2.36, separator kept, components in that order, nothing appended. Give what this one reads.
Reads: 3.25
